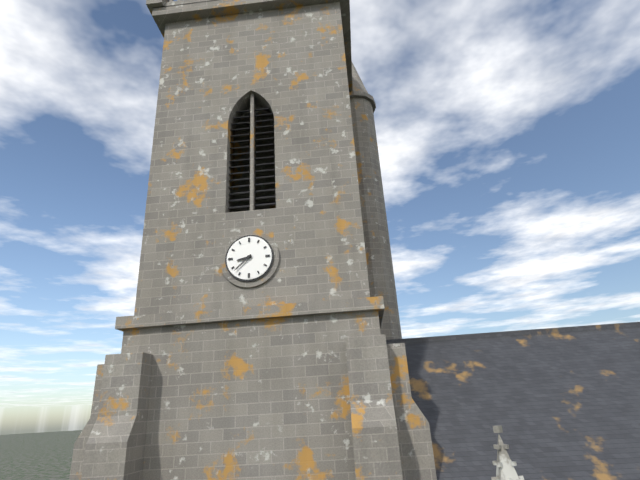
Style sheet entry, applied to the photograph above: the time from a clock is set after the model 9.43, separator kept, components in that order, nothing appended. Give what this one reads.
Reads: 8.38
